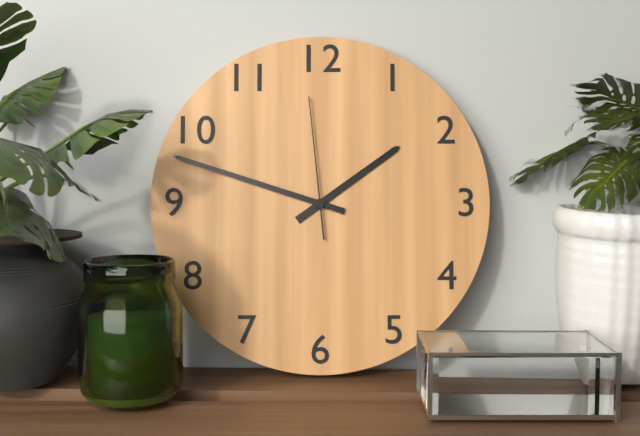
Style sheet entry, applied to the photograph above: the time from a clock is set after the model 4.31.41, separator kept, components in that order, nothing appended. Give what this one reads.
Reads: 1.48.59
